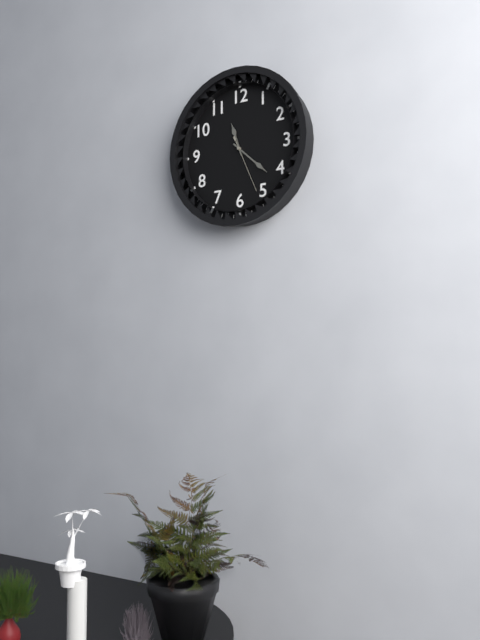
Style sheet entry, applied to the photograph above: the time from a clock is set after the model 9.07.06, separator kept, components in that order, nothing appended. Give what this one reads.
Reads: 11.22.26
